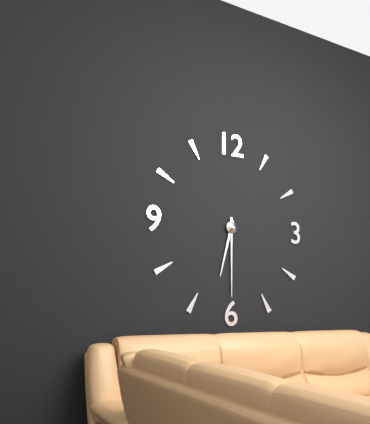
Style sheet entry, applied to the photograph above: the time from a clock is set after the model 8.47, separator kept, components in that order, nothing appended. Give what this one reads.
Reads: 6.30
